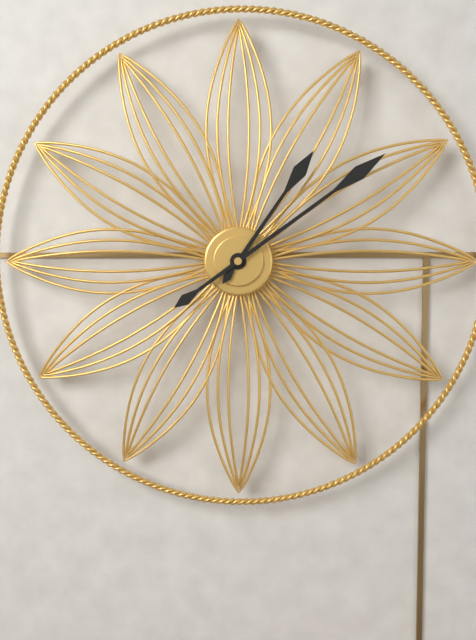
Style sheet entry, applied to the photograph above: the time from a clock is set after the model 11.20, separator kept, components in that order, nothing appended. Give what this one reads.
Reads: 1.09
